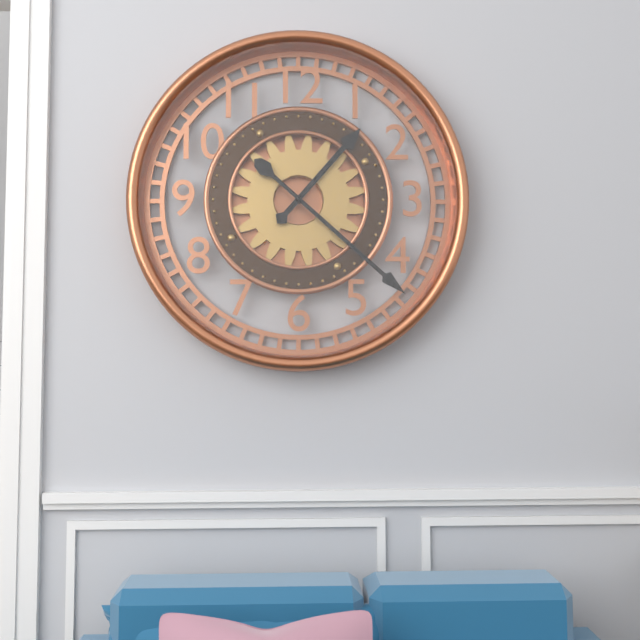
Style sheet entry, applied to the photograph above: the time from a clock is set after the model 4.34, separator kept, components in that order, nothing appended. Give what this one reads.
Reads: 1.22
